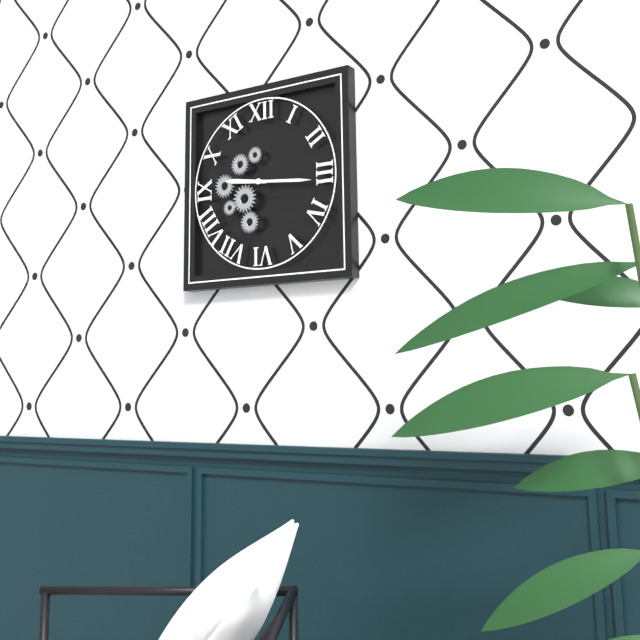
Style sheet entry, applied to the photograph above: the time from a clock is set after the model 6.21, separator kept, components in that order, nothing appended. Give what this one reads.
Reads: 9.16
